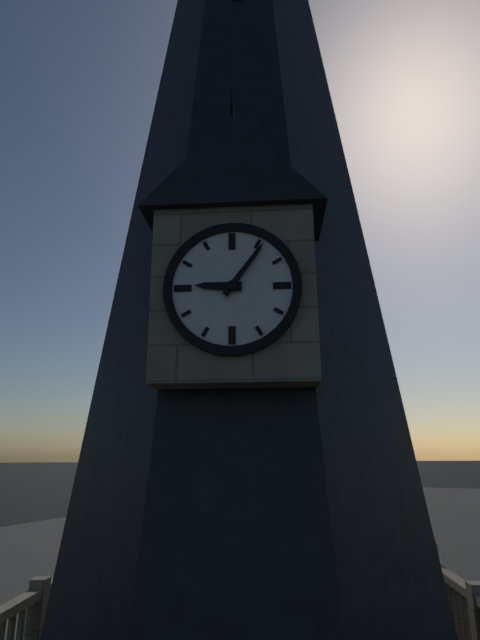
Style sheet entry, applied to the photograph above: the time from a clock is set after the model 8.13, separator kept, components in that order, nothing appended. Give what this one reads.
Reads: 9.06
